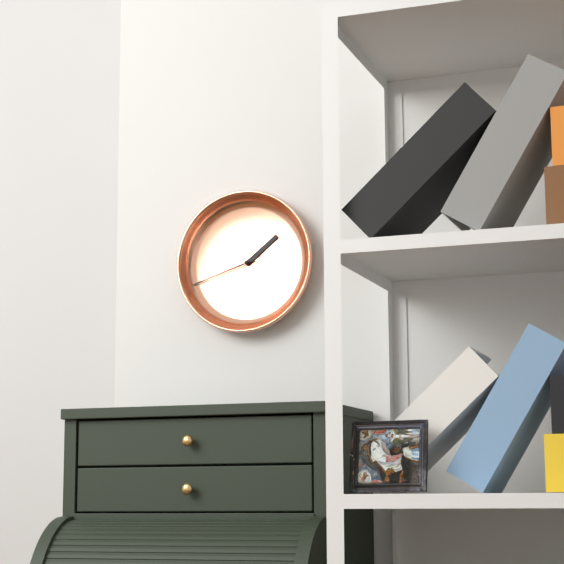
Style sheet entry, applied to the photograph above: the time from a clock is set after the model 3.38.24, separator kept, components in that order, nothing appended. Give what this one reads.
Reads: 1.42.12
